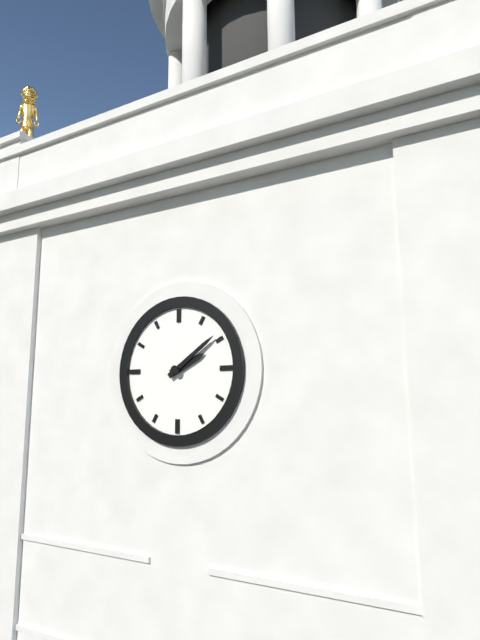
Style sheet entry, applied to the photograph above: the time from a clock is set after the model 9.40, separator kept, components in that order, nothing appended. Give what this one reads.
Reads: 2.09
